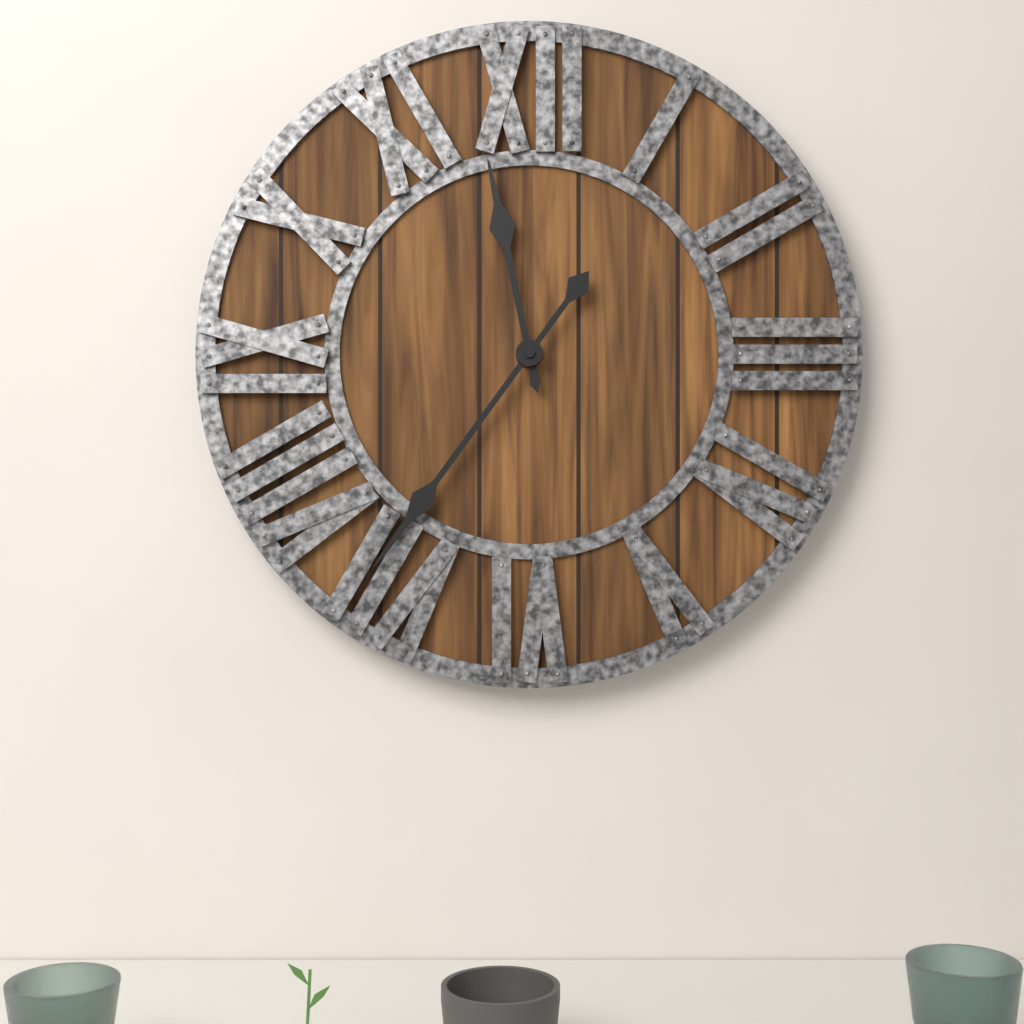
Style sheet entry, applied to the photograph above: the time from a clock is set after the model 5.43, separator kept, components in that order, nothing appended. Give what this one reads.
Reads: 11.36
